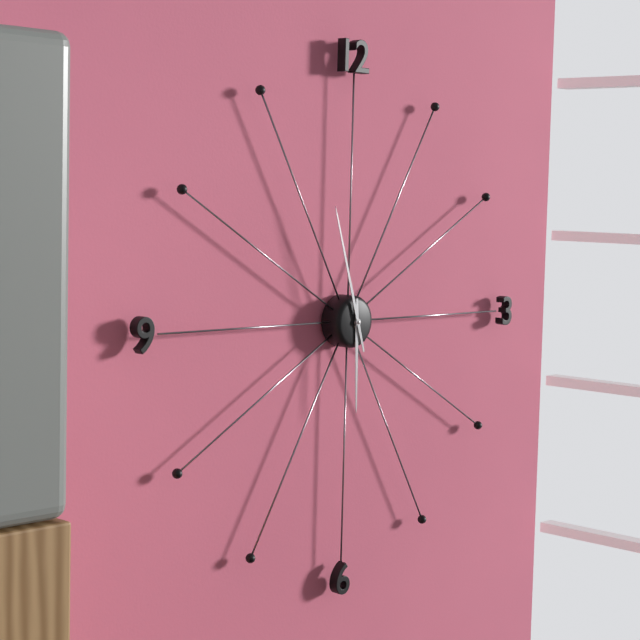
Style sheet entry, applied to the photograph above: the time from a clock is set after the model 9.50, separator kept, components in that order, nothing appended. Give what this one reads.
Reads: 5.57
